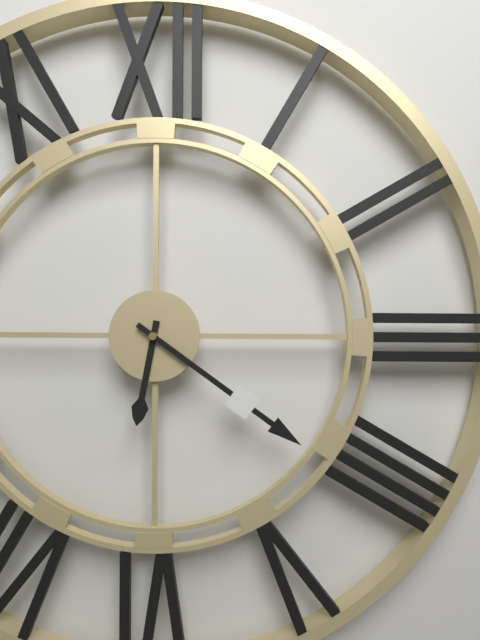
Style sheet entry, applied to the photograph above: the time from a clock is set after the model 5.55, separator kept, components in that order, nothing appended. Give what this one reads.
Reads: 6.21
